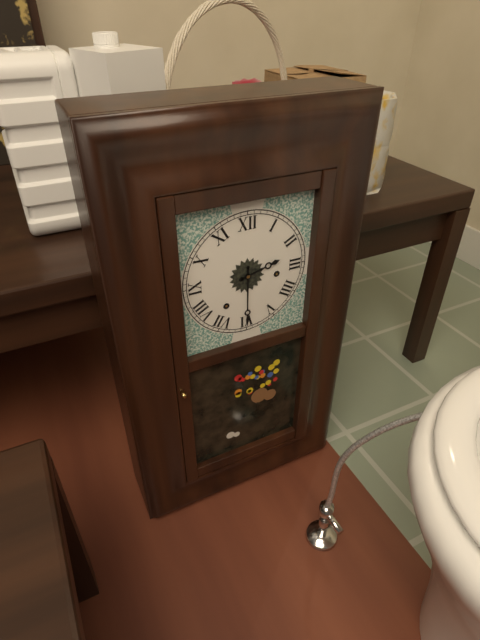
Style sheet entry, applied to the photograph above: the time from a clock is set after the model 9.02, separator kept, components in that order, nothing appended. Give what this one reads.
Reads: 2.30
